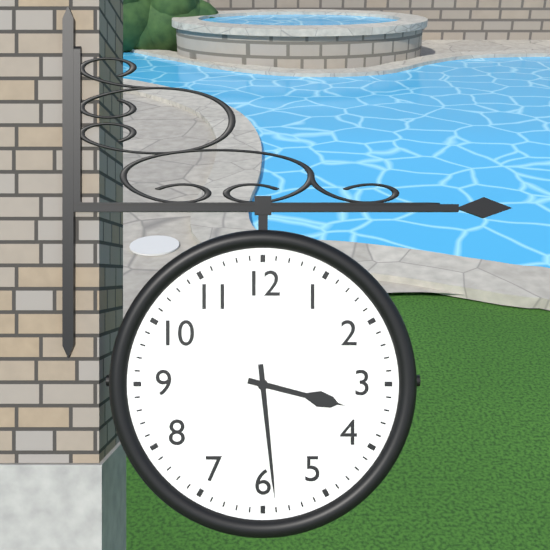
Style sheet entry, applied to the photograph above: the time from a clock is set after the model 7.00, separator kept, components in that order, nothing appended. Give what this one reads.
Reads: 3.29
